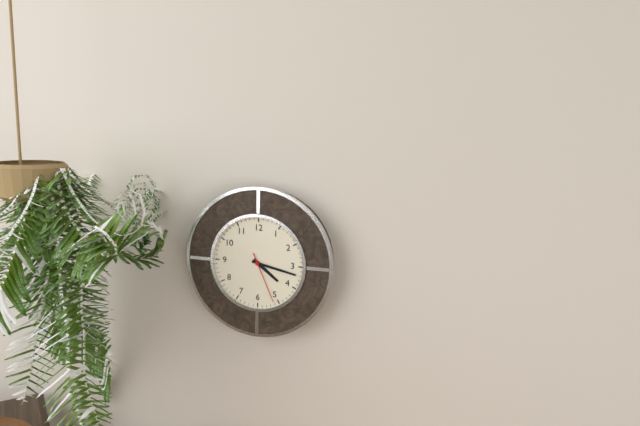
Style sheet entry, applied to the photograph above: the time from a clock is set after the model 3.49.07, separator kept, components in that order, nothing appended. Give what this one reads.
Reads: 4.17.26
